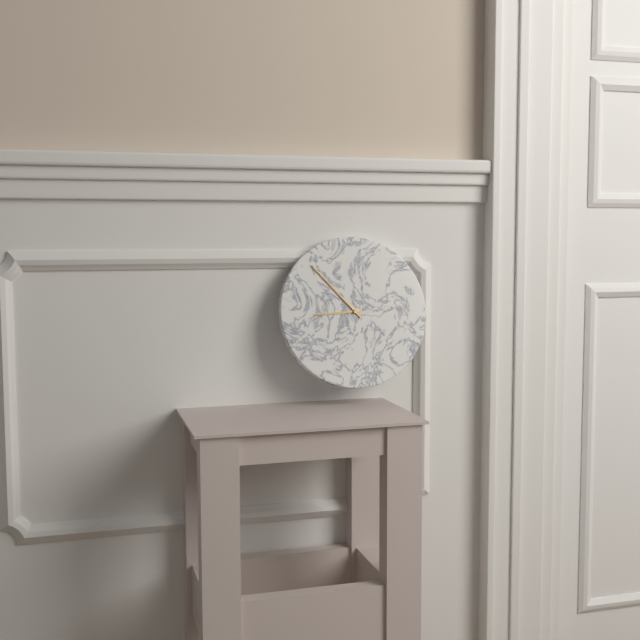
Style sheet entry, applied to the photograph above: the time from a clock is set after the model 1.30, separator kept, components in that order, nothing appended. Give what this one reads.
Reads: 8.53
